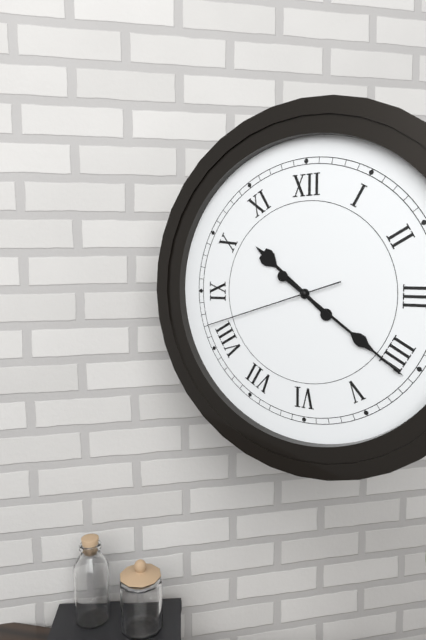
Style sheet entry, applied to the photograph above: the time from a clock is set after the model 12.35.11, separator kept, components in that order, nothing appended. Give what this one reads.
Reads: 10.21.42
